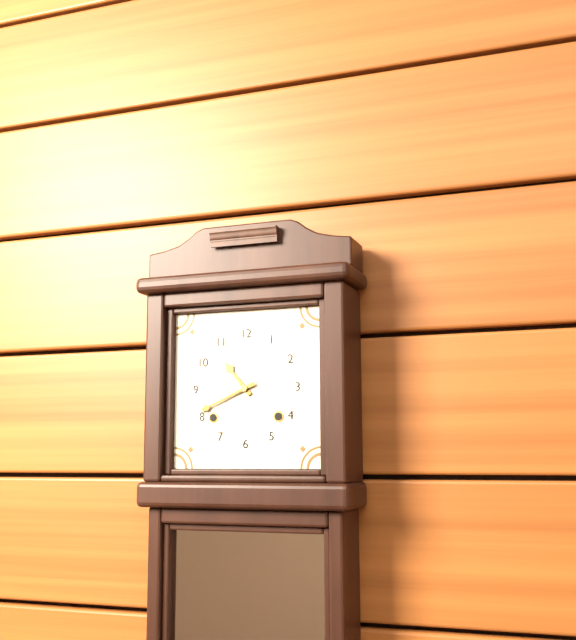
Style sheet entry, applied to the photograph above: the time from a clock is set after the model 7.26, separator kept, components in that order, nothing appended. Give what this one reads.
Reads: 10.41
